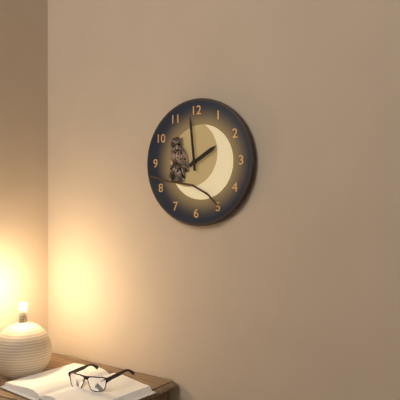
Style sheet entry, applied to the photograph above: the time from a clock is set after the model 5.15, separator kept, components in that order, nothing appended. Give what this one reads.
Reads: 1.59
